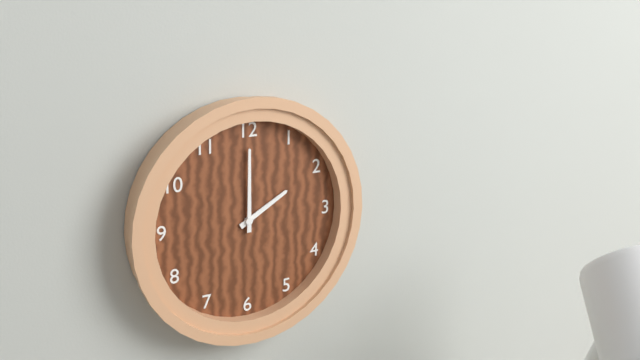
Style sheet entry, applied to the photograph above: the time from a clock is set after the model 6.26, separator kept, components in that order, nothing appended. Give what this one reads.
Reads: 2.00
